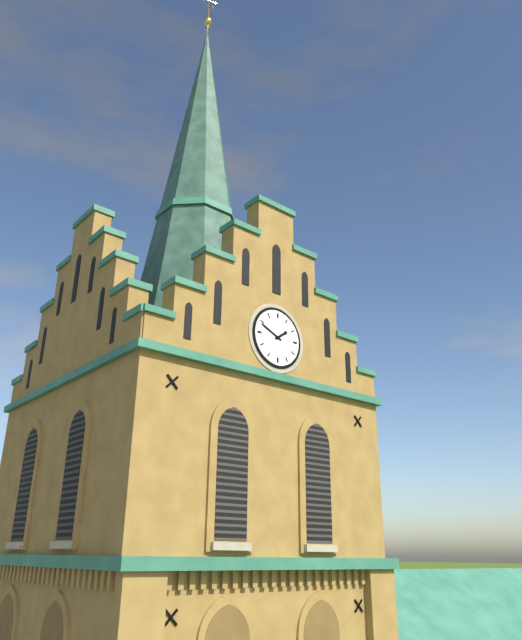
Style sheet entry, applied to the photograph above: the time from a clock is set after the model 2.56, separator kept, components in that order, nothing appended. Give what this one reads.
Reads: 1.49
